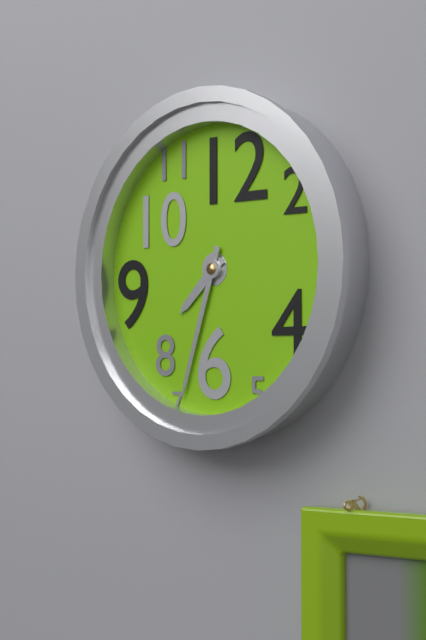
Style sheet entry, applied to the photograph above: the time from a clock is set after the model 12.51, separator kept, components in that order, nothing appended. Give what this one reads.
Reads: 7.33
